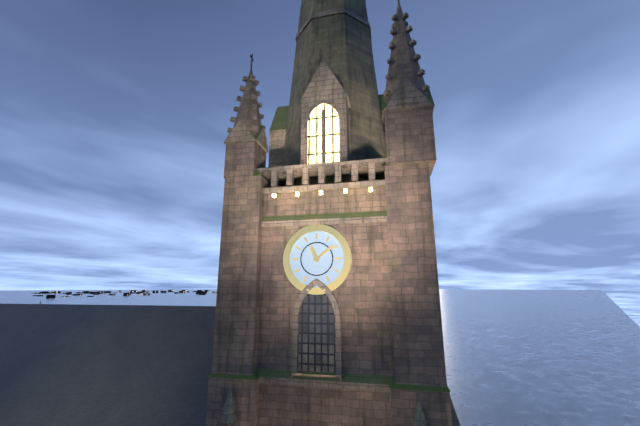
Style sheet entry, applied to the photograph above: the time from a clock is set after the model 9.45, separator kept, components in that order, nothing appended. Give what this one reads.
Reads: 11.09
